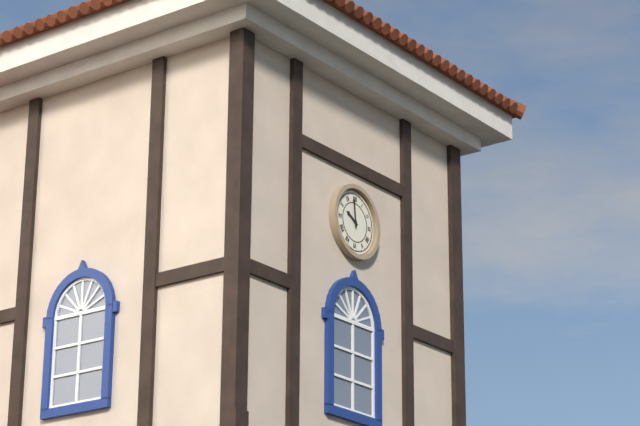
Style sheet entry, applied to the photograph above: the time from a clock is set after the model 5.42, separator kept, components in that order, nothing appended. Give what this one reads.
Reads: 9.59
